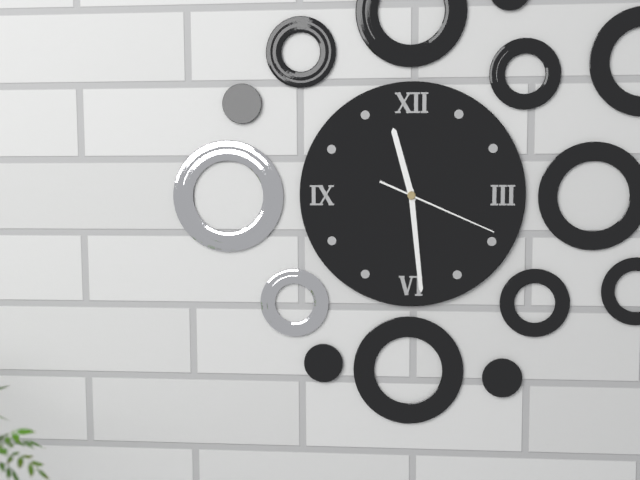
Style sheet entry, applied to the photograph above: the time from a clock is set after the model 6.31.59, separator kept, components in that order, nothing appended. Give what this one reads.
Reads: 11.29.19
